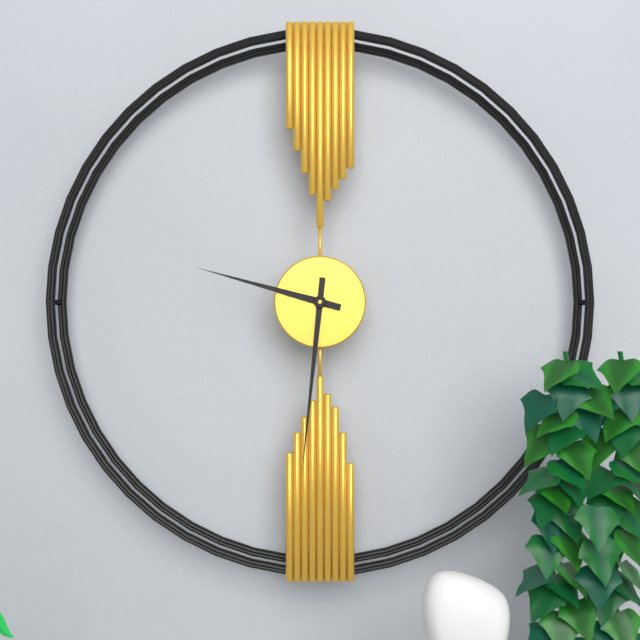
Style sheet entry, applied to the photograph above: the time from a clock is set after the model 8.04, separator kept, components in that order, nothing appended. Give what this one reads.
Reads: 9.31
